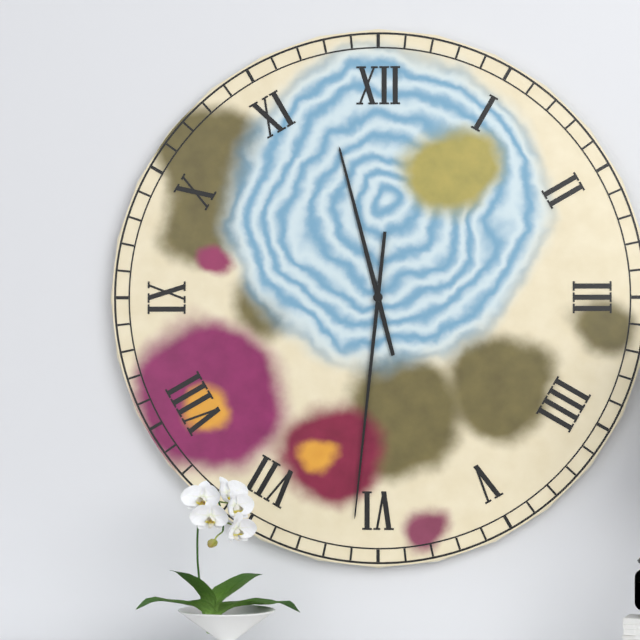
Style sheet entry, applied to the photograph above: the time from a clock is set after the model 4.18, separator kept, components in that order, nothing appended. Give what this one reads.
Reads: 11.31
